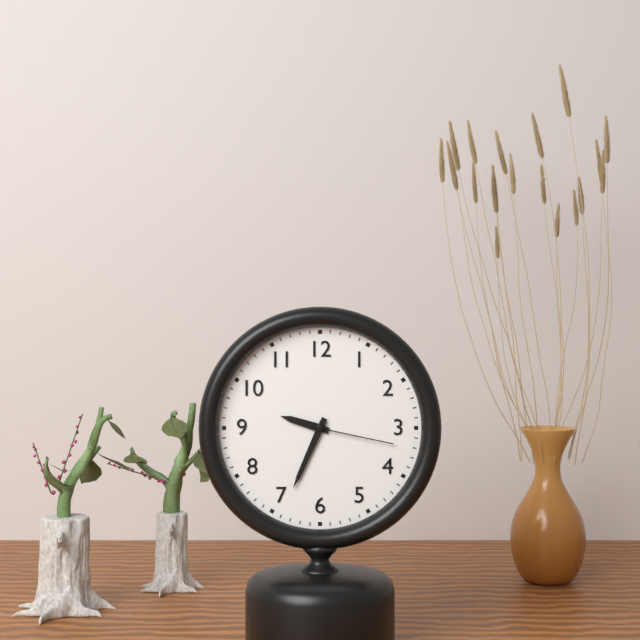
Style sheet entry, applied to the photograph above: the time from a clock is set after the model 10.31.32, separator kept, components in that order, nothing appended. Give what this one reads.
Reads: 9.34.17
